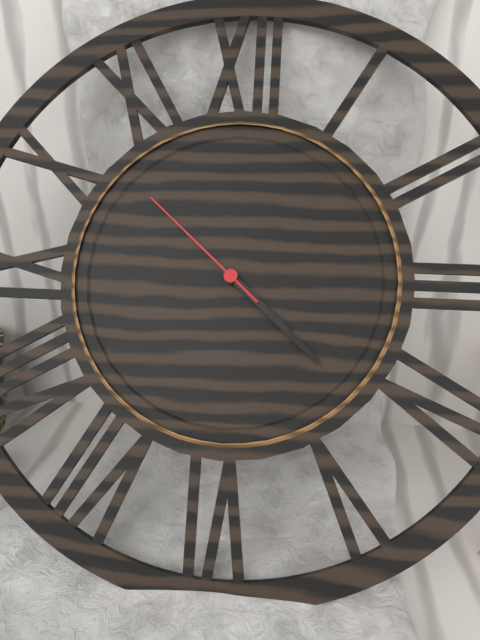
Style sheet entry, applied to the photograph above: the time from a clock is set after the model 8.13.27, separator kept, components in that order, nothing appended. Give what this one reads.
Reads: 4.22.52
